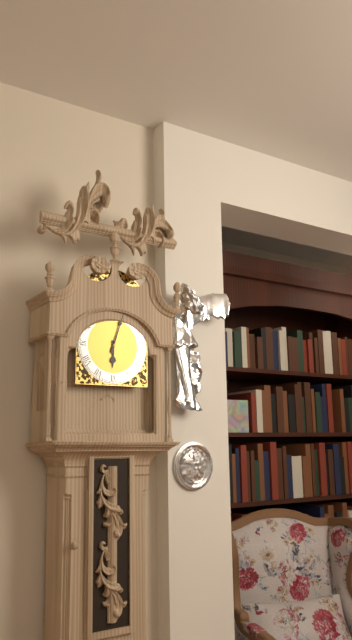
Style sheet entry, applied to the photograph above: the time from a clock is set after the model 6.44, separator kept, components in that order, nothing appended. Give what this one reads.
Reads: 6.03
